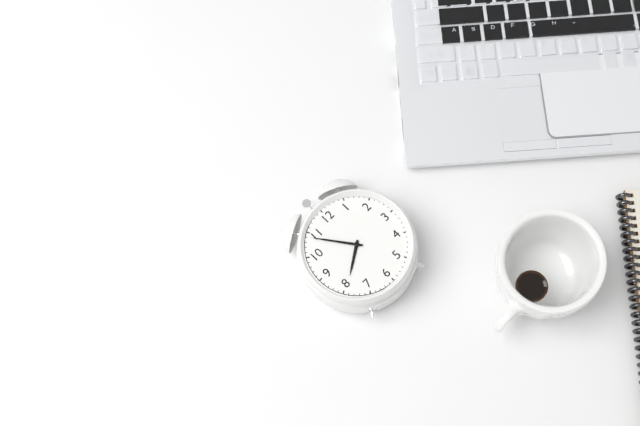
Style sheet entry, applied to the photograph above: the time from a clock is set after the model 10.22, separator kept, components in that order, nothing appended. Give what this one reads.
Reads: 7.54
